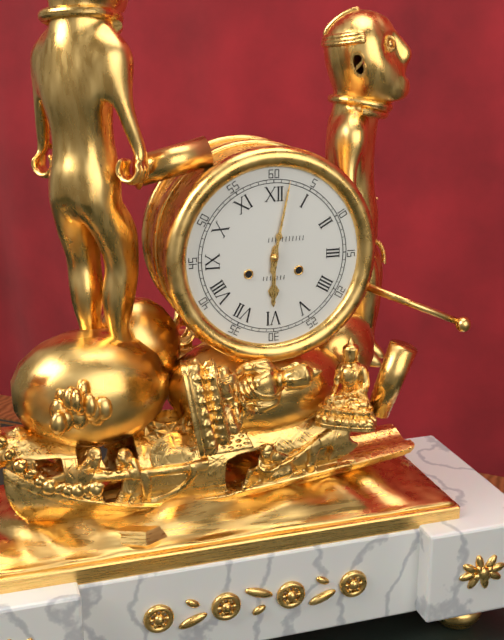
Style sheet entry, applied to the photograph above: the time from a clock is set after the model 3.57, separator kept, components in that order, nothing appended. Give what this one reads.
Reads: 6.02
